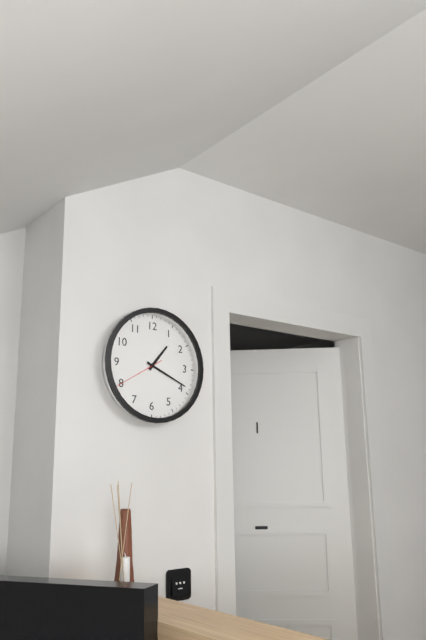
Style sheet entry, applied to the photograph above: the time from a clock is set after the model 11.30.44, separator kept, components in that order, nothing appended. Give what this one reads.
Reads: 1.19.40
